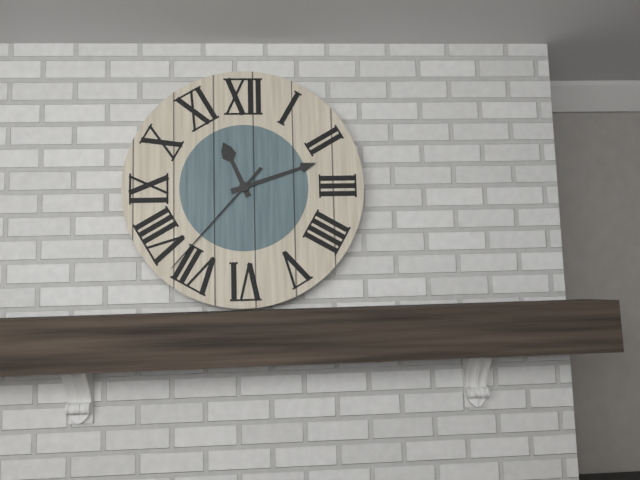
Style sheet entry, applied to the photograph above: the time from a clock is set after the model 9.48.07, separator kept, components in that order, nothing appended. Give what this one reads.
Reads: 11.12.37
